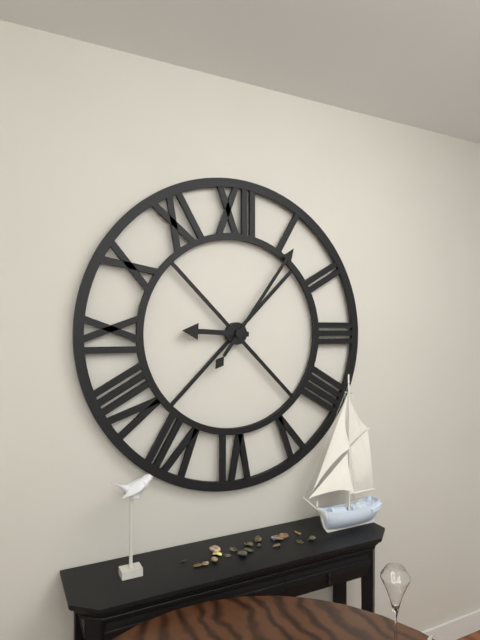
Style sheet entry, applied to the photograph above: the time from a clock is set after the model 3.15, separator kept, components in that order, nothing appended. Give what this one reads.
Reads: 9.06
